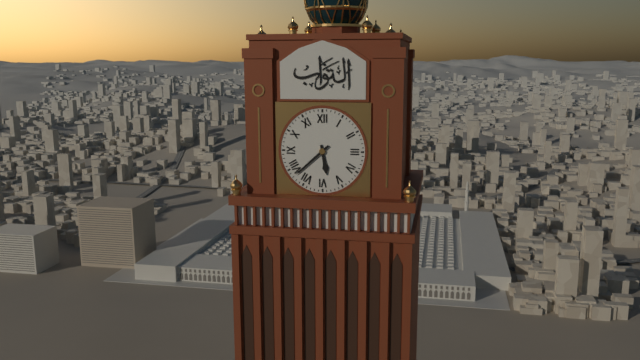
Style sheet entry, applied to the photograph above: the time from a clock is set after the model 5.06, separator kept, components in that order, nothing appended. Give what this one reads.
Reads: 5.38
